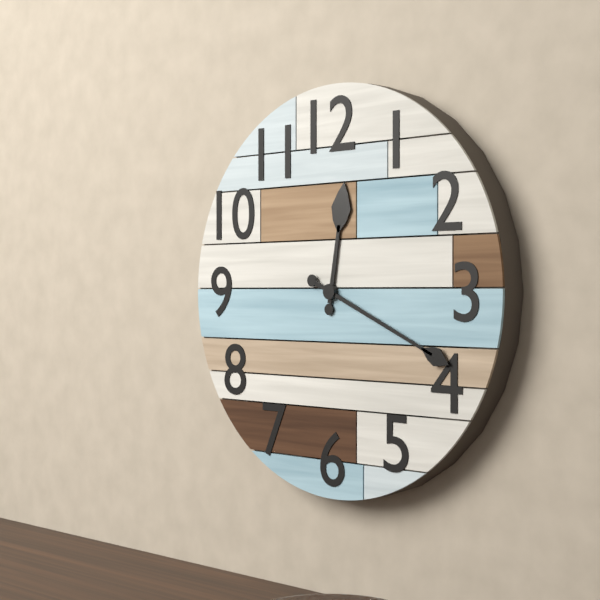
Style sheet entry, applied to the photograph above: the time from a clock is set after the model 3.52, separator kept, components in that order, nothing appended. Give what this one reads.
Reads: 12.19
